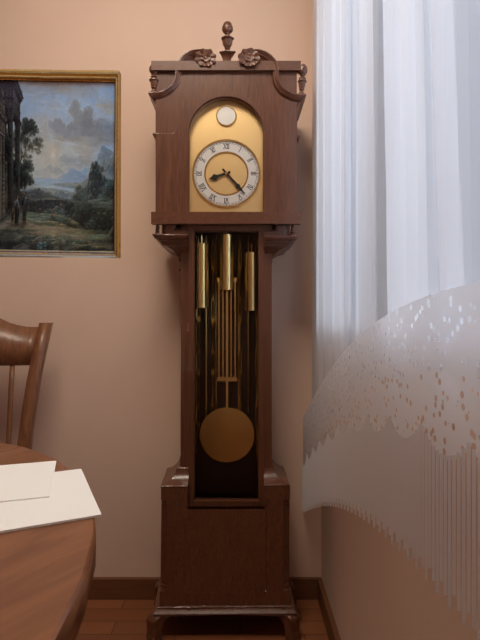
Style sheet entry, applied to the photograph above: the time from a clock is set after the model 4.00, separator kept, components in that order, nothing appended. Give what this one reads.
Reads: 8.23
